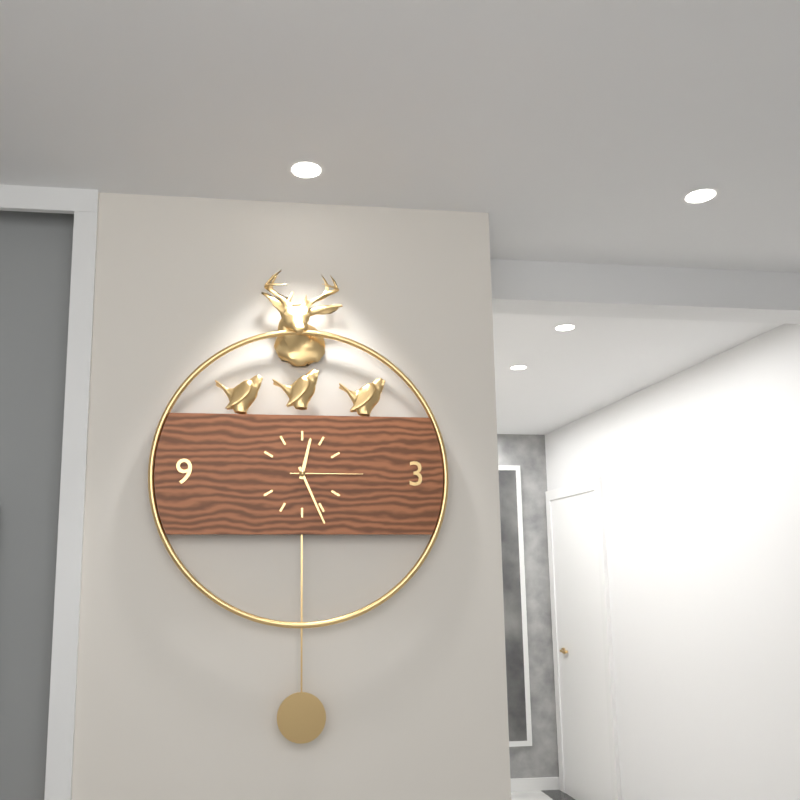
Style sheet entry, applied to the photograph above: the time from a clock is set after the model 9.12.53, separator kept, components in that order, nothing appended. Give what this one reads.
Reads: 12.26.15
